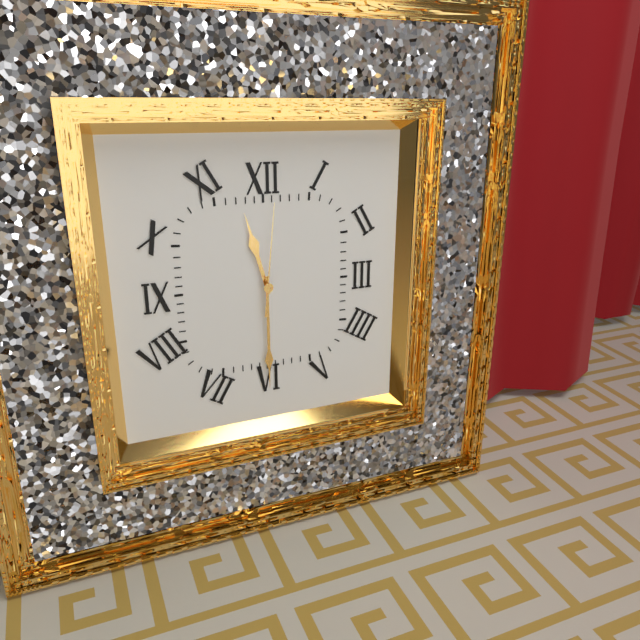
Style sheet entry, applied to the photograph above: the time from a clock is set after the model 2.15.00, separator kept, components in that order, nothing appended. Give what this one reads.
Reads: 11.30.01
